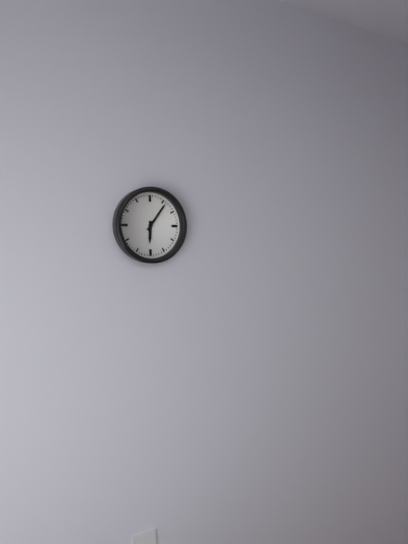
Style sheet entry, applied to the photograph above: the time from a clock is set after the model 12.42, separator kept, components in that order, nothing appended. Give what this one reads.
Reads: 6.06
